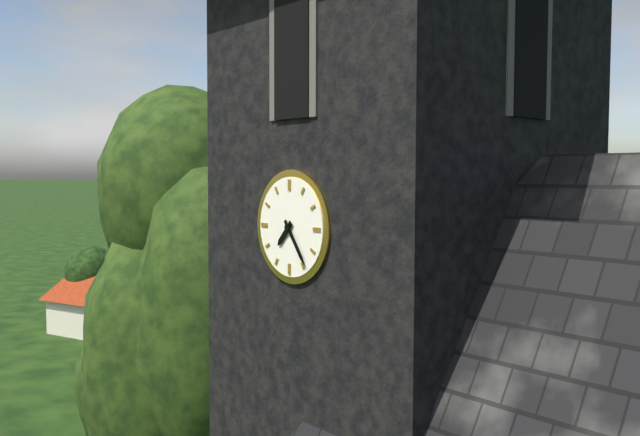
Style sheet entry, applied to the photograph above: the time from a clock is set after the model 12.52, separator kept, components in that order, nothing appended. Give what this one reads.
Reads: 7.24
